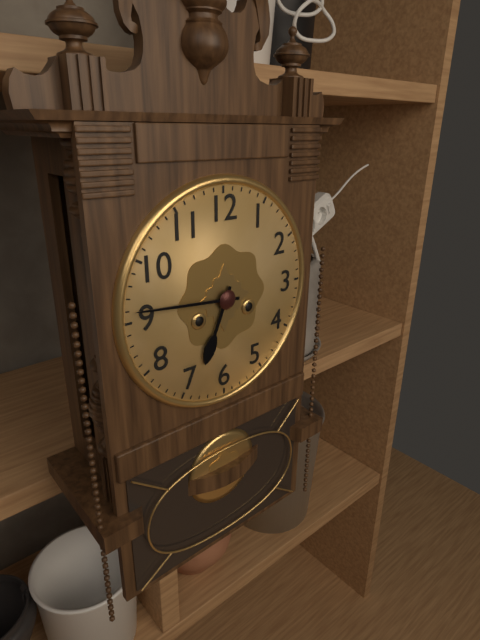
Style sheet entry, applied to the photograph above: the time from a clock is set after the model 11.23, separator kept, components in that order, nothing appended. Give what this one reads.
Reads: 6.46
